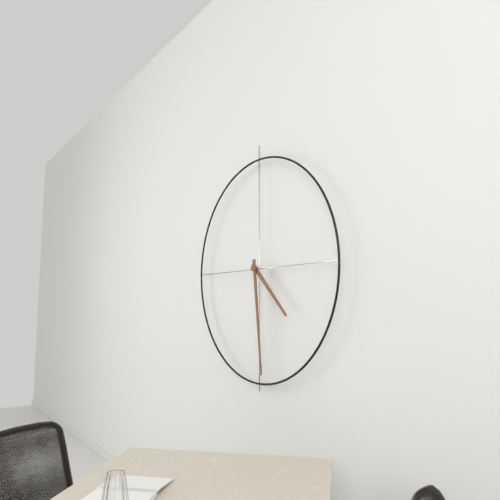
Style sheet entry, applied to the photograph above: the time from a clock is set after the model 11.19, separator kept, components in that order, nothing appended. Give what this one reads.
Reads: 4.29
